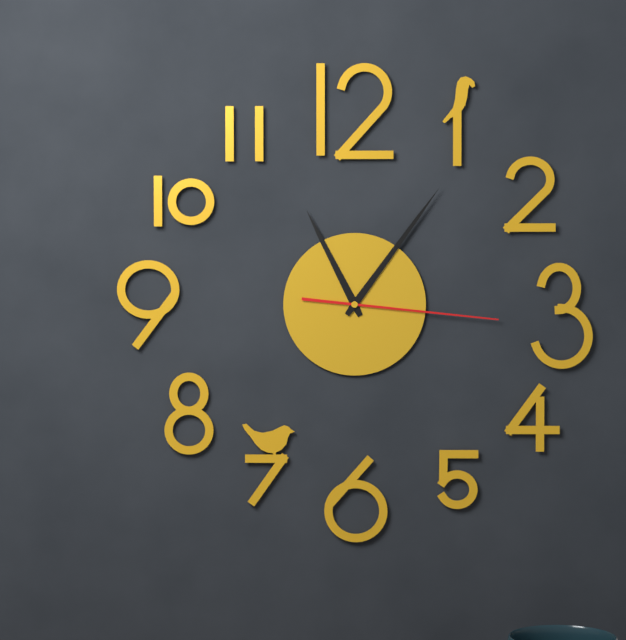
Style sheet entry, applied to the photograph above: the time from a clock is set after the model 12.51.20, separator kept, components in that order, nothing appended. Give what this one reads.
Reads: 11.06.16
